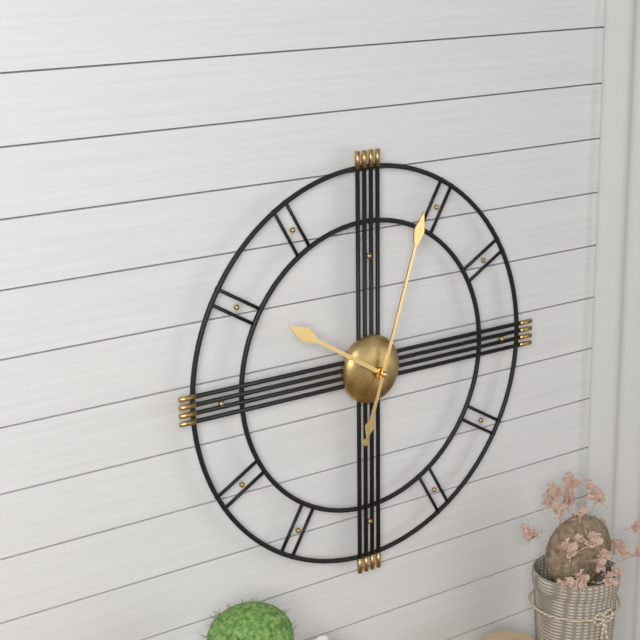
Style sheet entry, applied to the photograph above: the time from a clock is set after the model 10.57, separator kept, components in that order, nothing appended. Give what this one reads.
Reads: 10.03
